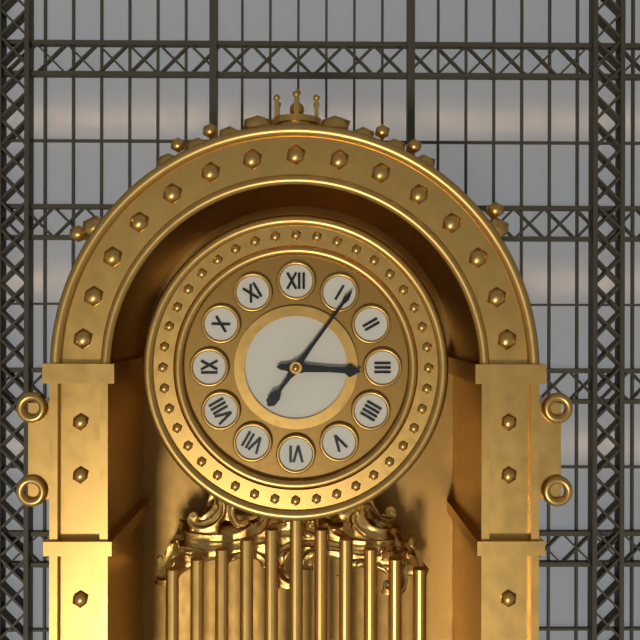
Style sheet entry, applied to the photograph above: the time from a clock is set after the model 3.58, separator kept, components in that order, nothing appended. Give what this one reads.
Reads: 3.06
